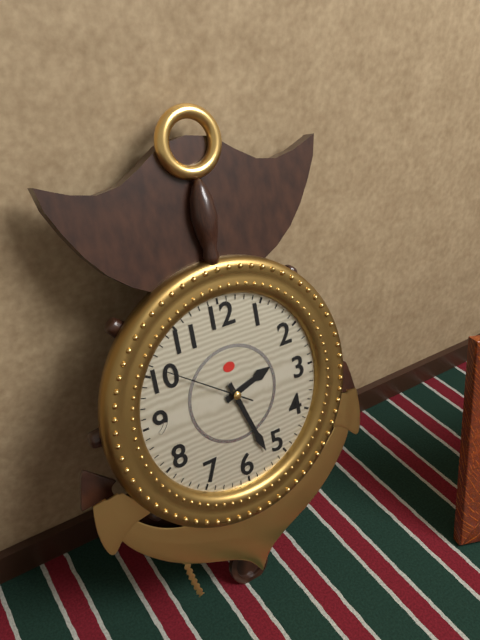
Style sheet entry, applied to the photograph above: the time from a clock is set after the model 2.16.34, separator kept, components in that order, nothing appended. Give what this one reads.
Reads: 2.27.51
